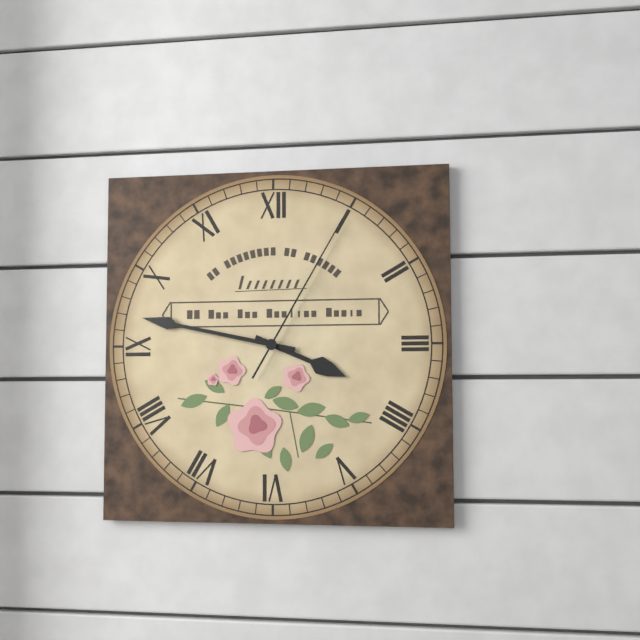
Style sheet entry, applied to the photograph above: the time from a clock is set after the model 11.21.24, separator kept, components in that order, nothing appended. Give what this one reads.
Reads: 3.47.05
